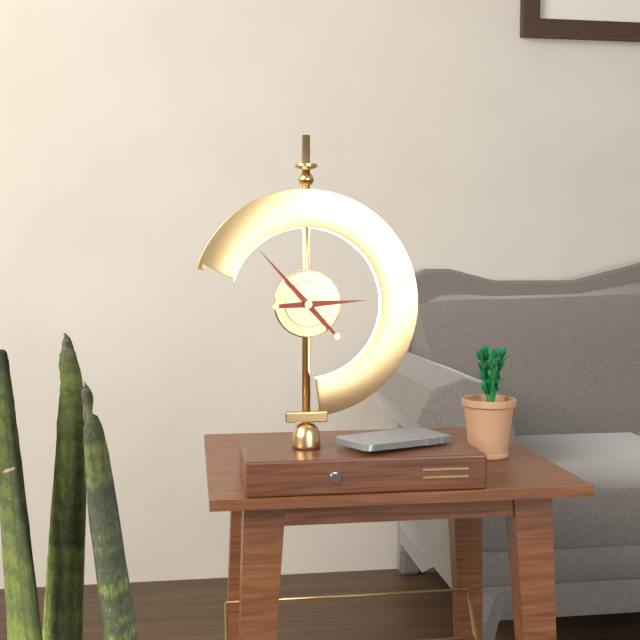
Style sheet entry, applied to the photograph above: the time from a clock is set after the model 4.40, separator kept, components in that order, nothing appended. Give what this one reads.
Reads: 2.53
